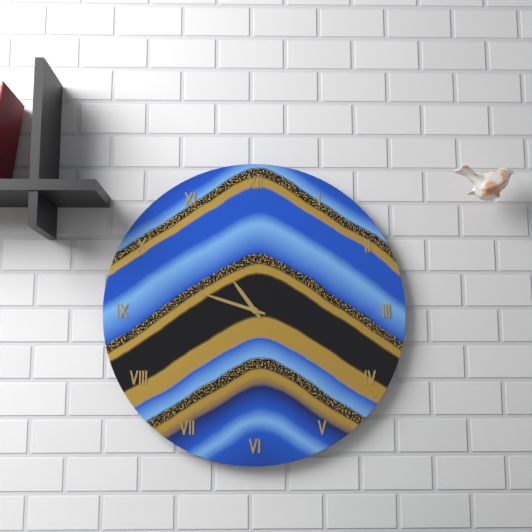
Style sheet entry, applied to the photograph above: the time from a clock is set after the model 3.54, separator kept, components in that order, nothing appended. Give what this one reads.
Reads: 10.48
